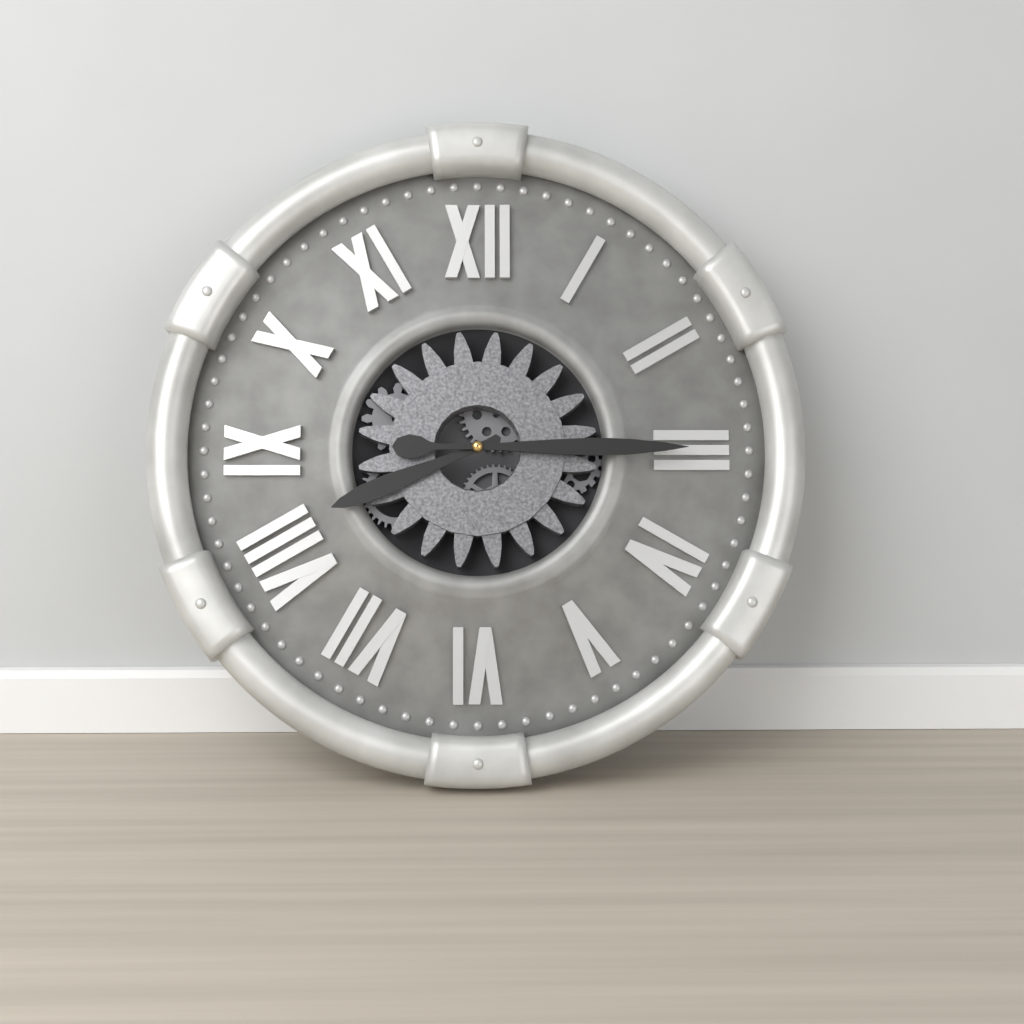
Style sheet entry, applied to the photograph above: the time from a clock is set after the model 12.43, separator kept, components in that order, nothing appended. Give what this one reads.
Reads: 8.15
